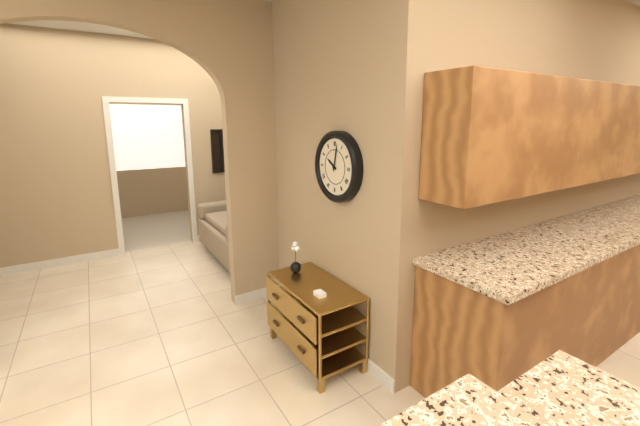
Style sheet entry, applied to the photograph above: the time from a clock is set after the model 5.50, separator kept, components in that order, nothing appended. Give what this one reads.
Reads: 10.02
